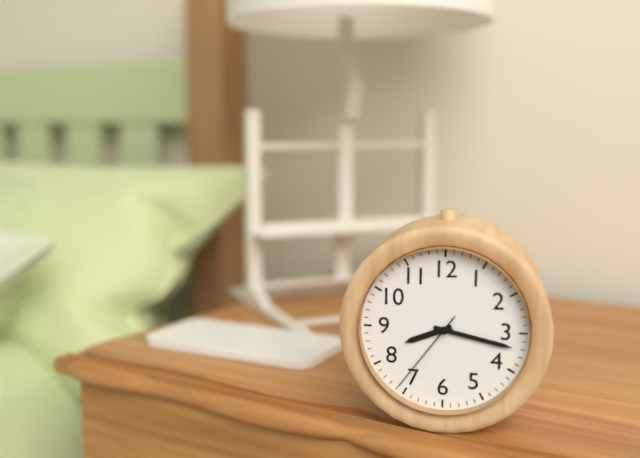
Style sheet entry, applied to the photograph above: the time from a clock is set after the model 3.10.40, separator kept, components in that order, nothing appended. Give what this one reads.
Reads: 8.17.36
